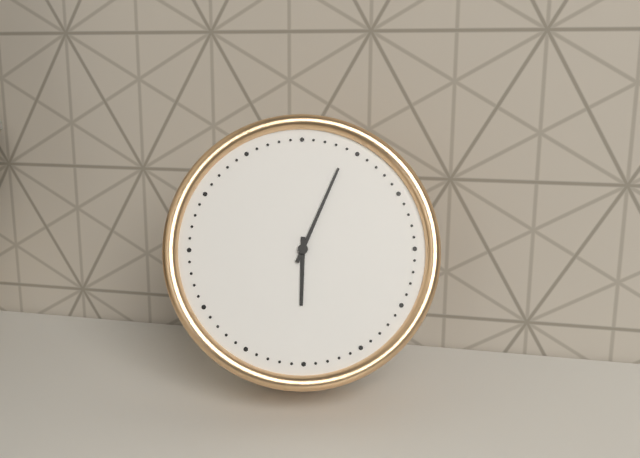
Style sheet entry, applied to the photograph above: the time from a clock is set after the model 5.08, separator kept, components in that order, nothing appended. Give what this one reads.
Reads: 6.04
